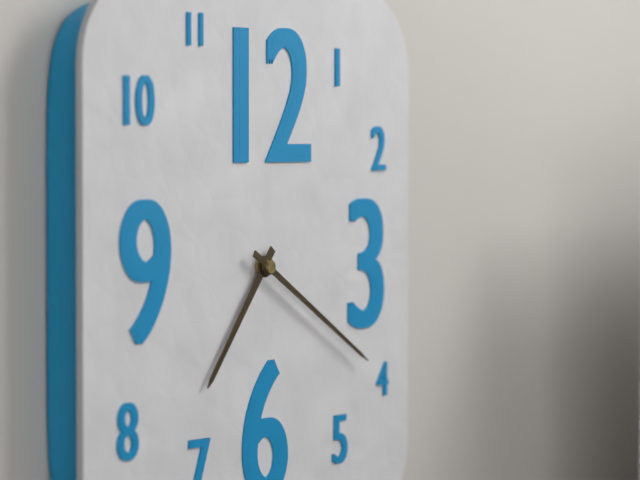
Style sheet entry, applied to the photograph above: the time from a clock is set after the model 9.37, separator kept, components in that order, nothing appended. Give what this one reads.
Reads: 7.20
